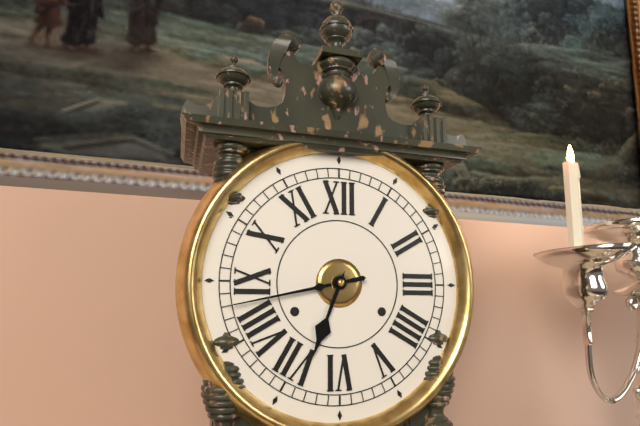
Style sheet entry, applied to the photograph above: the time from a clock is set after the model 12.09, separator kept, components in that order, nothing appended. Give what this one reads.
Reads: 6.43
